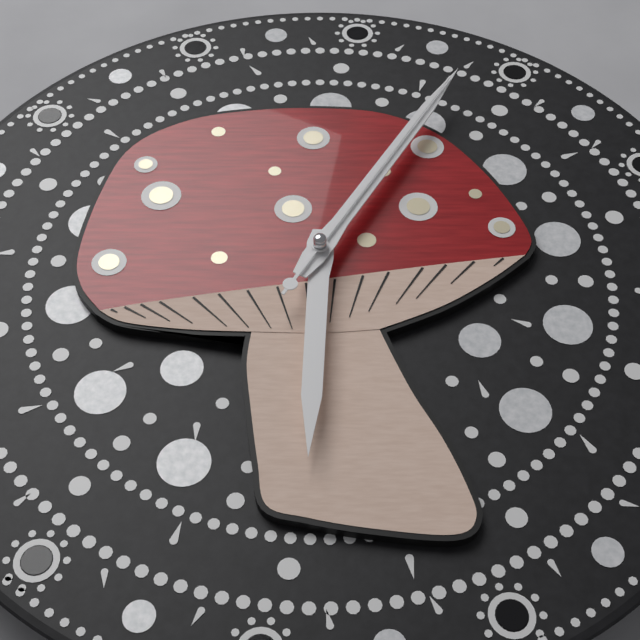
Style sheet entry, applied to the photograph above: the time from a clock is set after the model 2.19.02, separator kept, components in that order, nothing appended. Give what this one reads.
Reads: 6.05.05
